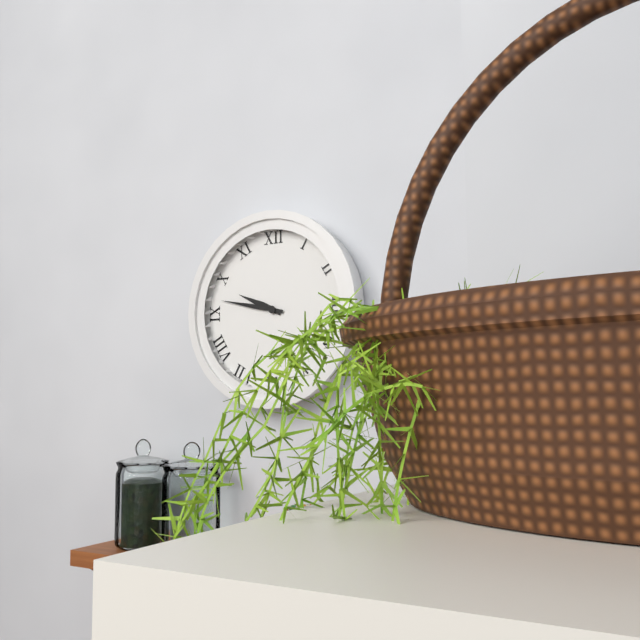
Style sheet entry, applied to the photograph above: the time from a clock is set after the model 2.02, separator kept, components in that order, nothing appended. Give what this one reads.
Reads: 9.47
